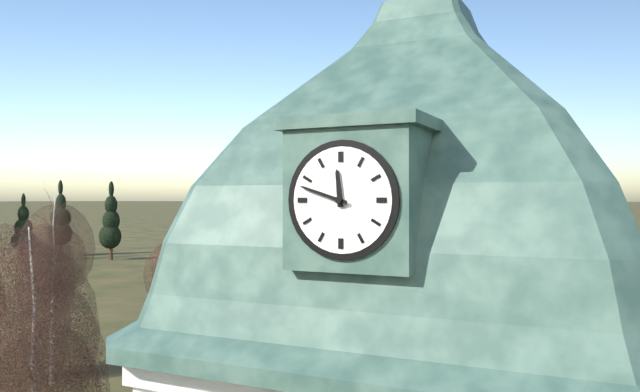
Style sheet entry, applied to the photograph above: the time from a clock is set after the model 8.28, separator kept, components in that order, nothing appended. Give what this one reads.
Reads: 11.48
